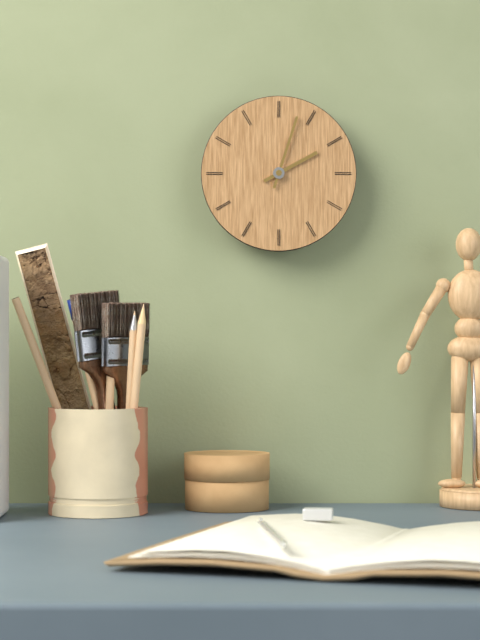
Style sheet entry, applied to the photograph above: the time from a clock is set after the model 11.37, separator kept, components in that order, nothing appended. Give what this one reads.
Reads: 2.03
